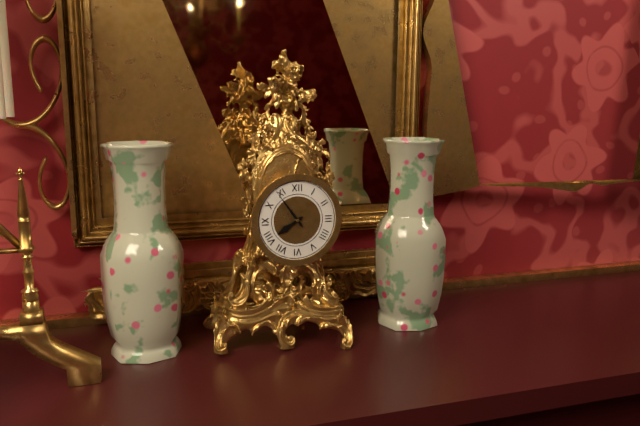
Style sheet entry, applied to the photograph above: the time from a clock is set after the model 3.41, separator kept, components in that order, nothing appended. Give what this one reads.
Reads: 7.54
